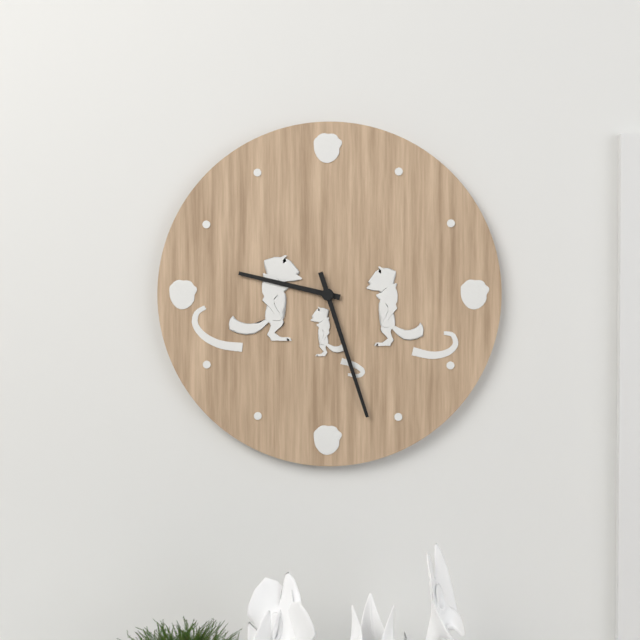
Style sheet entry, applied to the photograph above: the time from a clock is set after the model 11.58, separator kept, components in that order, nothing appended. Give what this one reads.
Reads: 9.27
